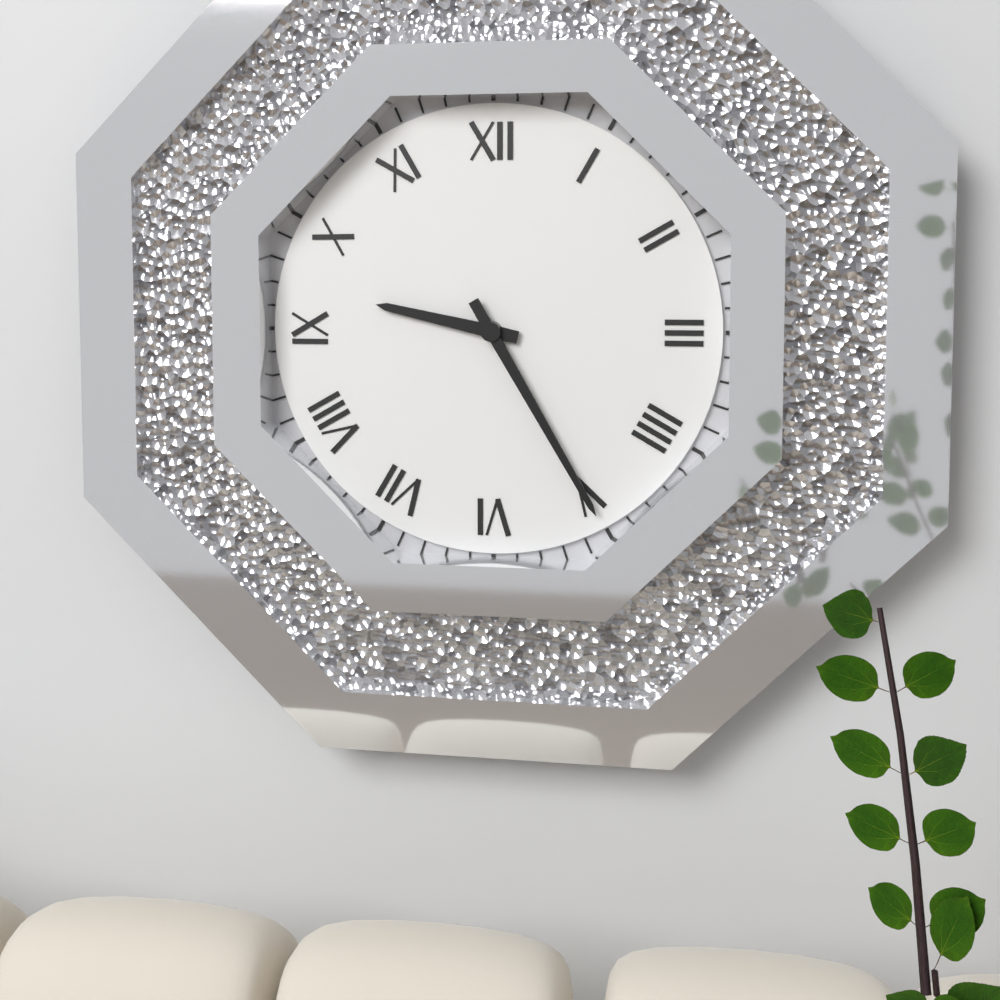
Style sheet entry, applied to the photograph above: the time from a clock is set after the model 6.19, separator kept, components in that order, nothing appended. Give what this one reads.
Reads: 9.25
